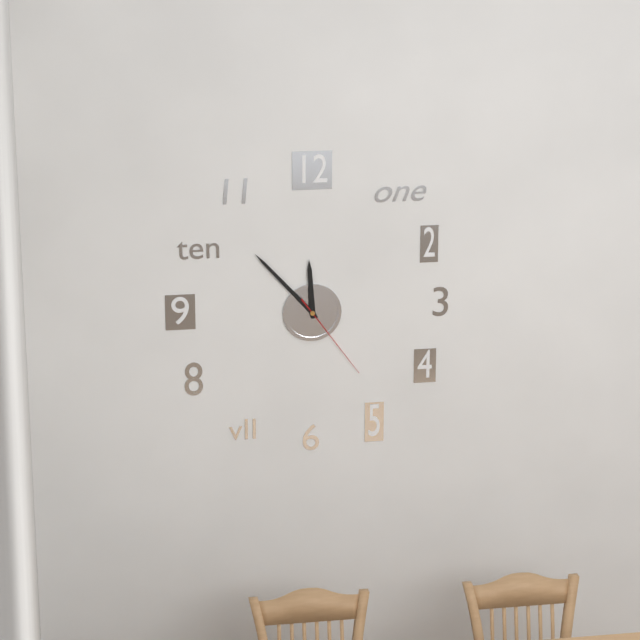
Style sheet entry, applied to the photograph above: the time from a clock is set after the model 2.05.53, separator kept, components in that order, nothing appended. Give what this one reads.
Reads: 11.53.24
